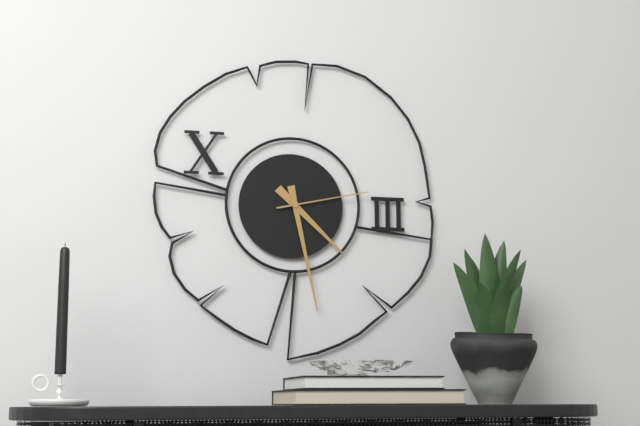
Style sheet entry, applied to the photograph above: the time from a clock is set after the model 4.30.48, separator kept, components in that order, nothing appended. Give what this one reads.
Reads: 4.28.13
